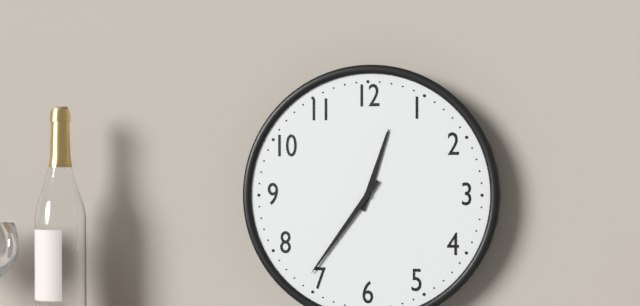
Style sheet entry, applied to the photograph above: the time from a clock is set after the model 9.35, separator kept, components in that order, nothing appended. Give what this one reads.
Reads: 12.36
